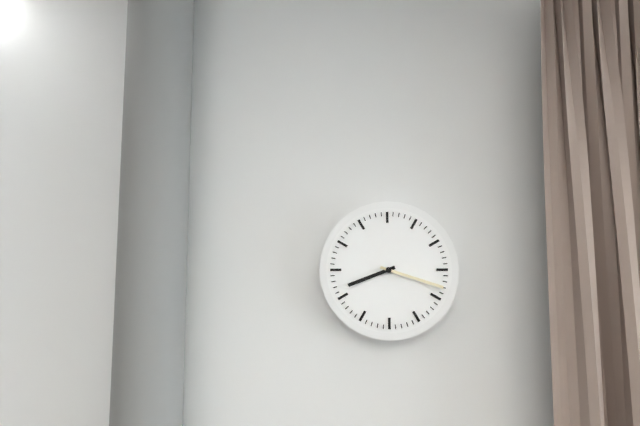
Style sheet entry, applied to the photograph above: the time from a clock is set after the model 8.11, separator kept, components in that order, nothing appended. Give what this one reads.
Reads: 8.18
